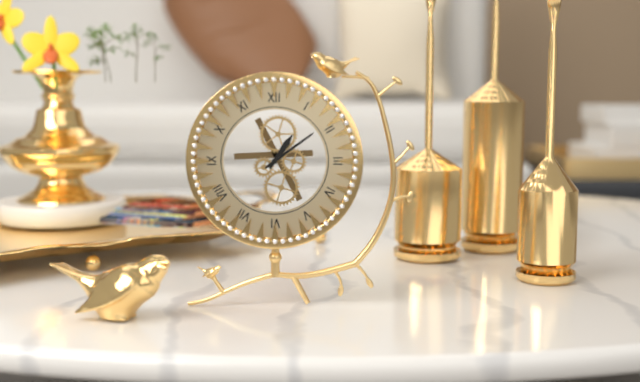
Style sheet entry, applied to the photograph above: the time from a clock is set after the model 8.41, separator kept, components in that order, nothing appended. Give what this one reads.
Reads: 1.09
